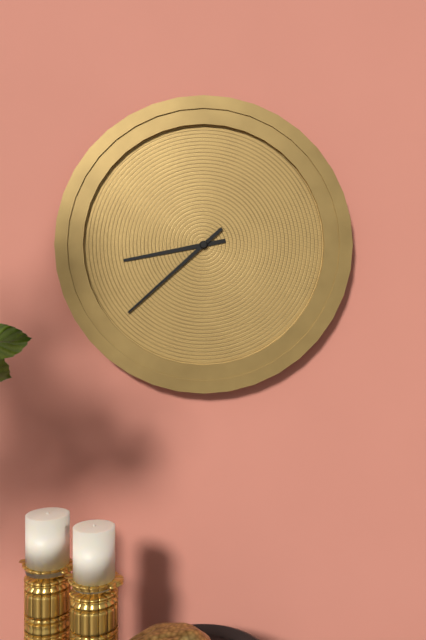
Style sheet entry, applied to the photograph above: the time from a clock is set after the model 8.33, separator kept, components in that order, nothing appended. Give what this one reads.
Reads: 8.38
